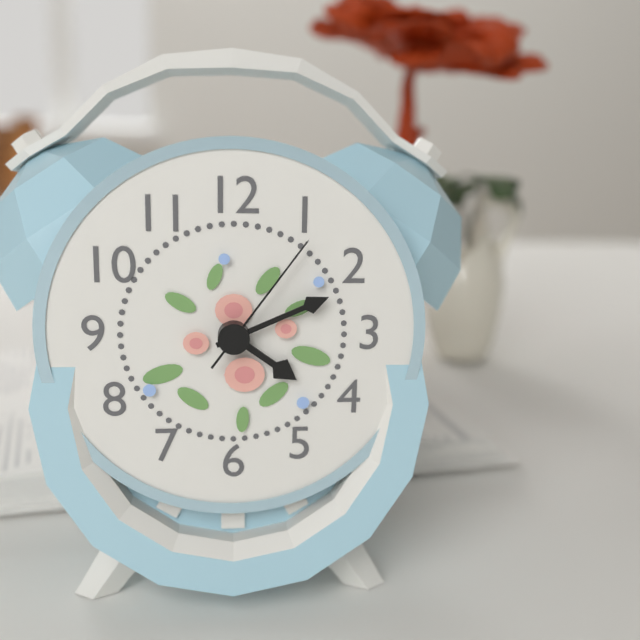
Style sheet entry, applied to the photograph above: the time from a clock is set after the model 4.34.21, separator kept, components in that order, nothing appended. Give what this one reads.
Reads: 4.11.06
